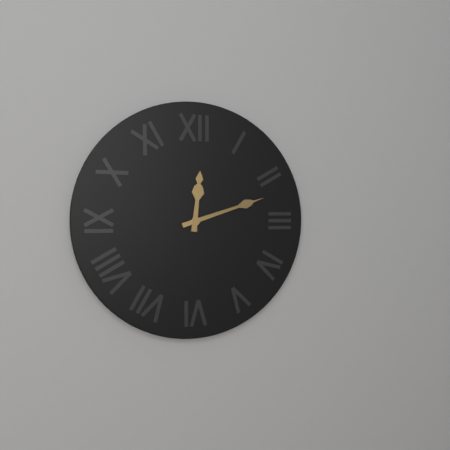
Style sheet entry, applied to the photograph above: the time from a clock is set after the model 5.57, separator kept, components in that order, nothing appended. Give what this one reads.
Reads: 12.12
